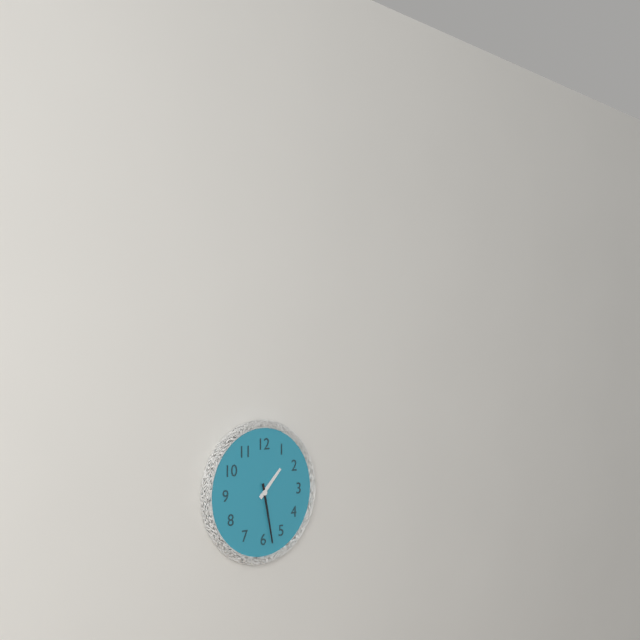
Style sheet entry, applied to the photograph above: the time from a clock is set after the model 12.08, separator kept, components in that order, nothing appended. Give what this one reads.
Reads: 1.28
